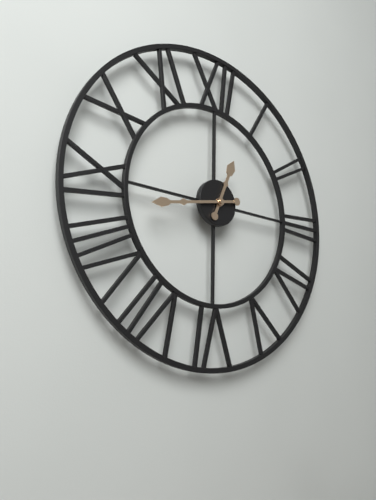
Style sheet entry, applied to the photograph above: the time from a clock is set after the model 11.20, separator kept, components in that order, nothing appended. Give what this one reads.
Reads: 12.43
